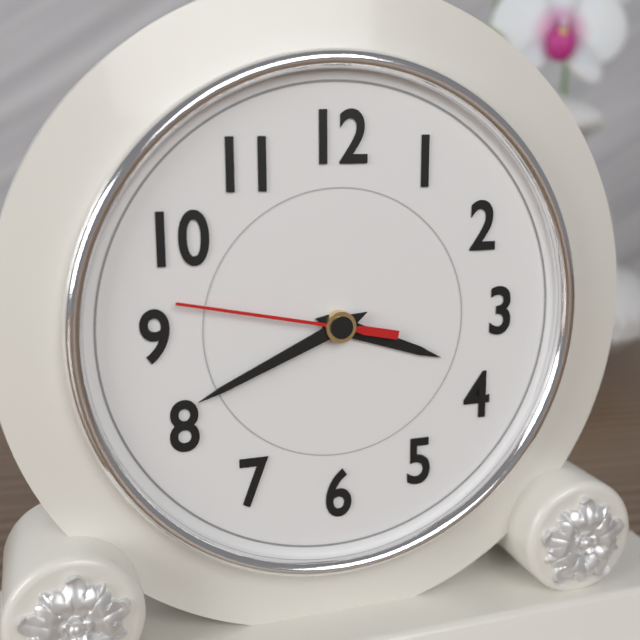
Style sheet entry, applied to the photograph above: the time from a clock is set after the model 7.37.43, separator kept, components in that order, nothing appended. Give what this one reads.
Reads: 3.41.47
